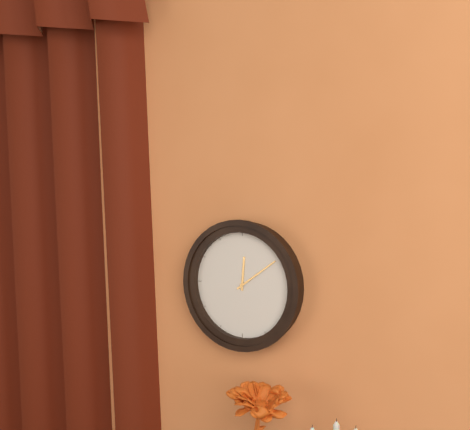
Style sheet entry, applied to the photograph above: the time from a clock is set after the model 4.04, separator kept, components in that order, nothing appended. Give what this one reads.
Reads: 12.09
